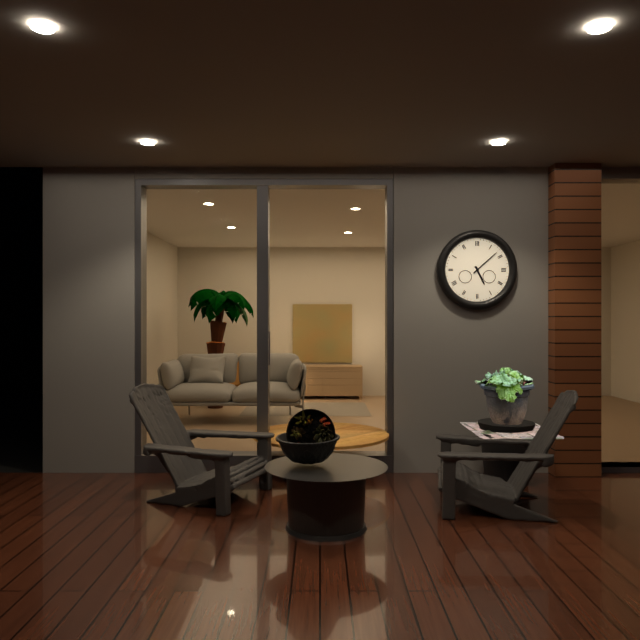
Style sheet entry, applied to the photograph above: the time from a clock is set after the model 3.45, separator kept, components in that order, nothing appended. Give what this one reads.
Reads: 5.08
